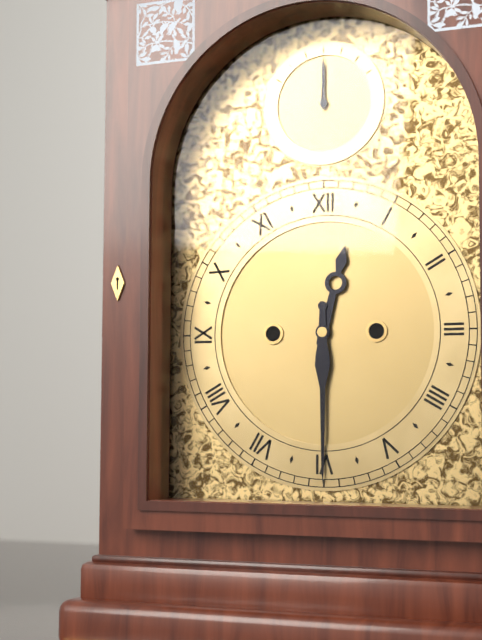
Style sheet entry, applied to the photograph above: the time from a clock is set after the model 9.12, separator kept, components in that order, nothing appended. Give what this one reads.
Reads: 12.30
